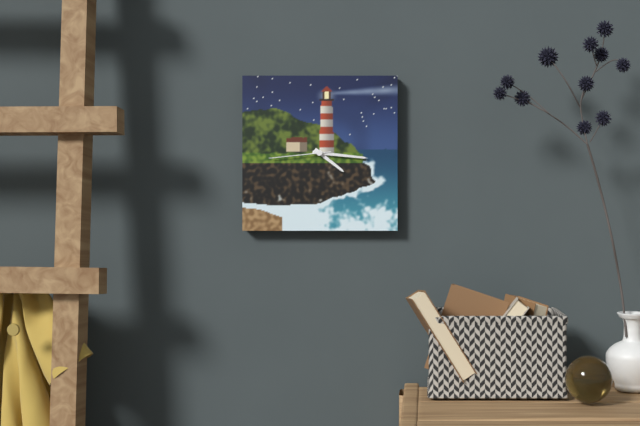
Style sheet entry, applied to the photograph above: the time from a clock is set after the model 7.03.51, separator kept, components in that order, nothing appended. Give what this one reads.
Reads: 4.16.44
